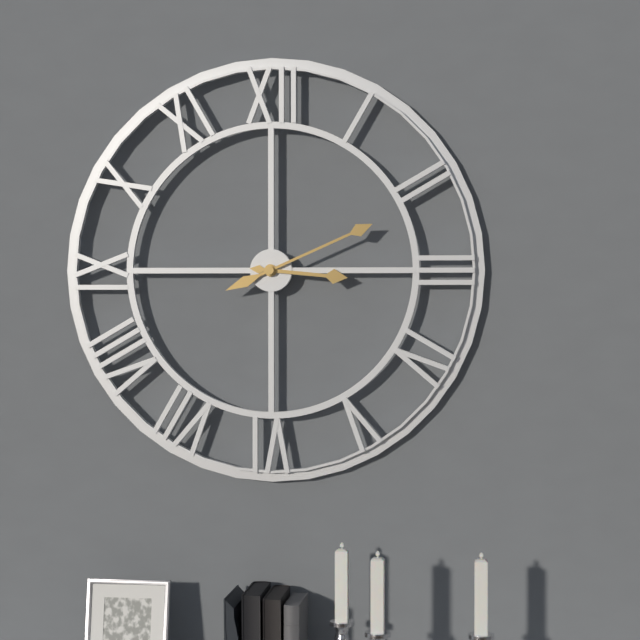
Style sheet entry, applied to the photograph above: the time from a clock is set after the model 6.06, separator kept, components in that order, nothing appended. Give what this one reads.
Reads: 3.11
